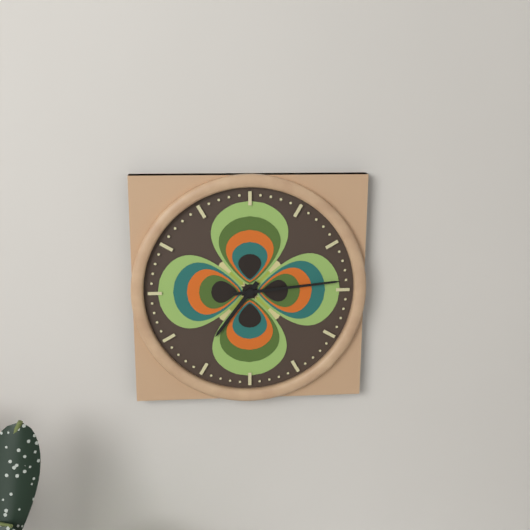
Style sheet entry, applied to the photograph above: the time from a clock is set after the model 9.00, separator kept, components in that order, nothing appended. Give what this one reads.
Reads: 7.14
